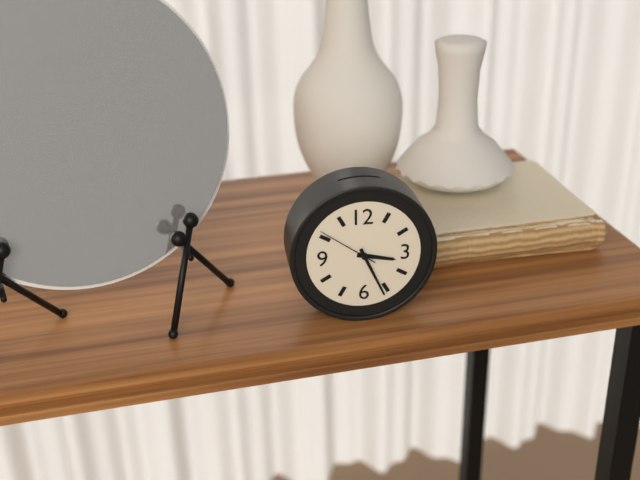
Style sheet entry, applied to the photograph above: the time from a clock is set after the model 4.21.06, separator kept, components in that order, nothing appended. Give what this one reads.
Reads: 3.26.51
